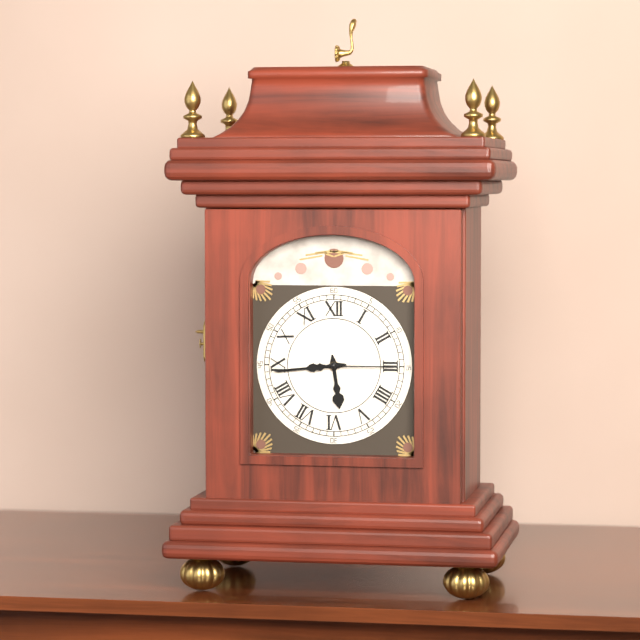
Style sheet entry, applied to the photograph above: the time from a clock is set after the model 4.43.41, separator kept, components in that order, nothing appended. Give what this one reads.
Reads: 5.44.15
